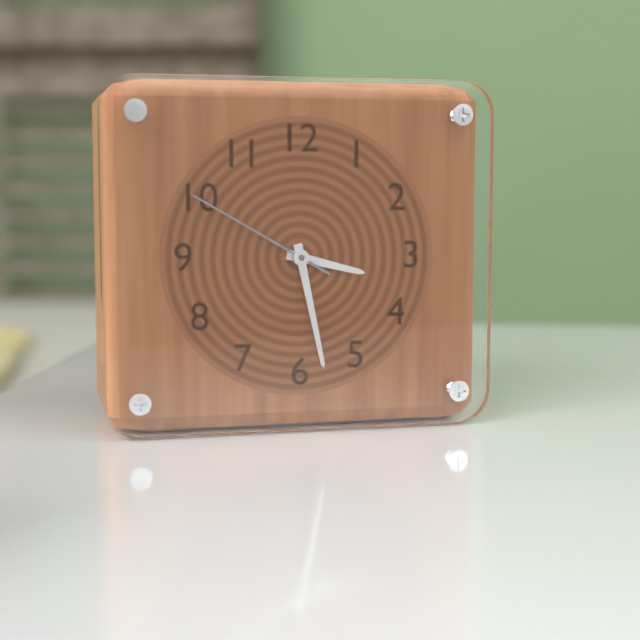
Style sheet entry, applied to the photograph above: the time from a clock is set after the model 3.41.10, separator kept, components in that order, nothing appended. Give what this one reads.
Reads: 3.28.50
